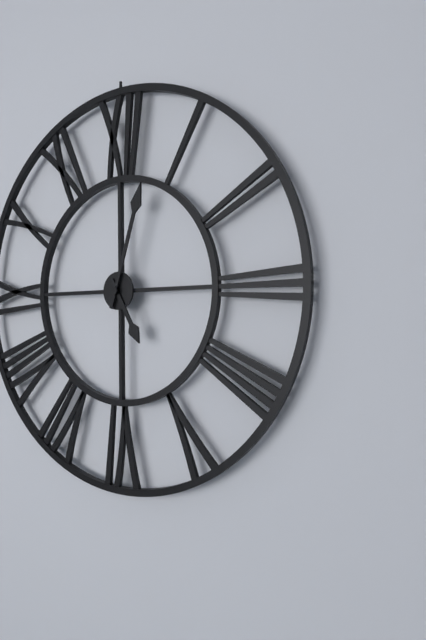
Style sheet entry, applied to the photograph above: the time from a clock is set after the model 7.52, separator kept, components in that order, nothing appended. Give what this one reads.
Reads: 5.03
